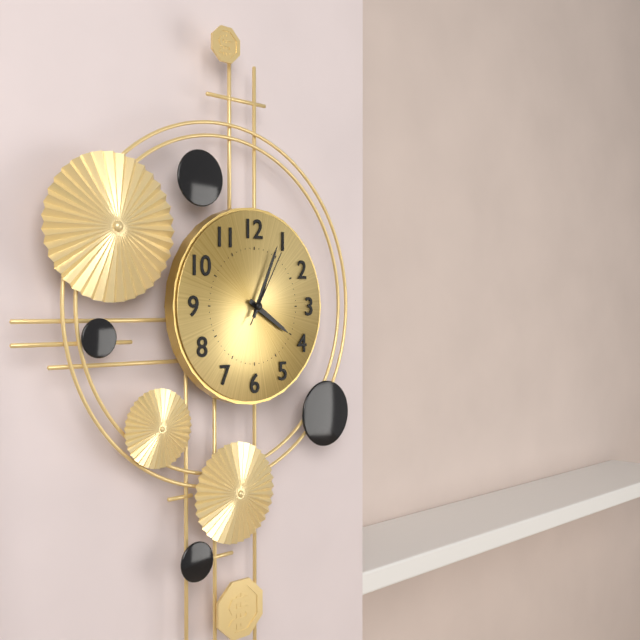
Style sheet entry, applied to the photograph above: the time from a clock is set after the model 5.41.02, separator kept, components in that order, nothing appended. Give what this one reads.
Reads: 4.04.05
